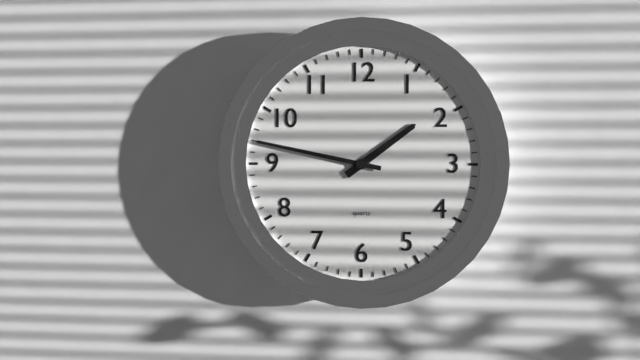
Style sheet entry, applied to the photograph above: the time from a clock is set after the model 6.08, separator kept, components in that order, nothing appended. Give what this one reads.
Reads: 1.47
